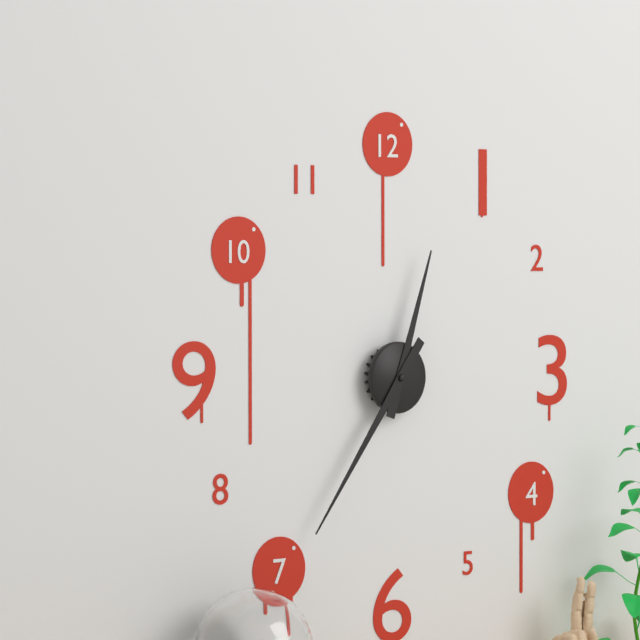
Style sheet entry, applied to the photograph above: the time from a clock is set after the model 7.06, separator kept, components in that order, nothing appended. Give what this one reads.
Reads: 12.36
